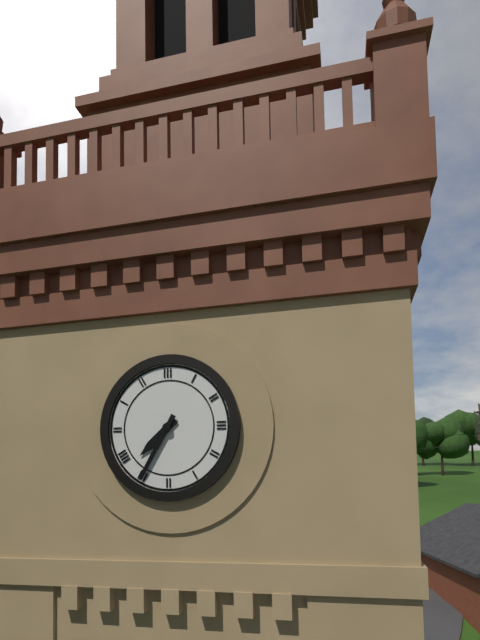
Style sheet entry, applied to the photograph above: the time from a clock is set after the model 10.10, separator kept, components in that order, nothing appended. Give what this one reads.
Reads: 7.35
